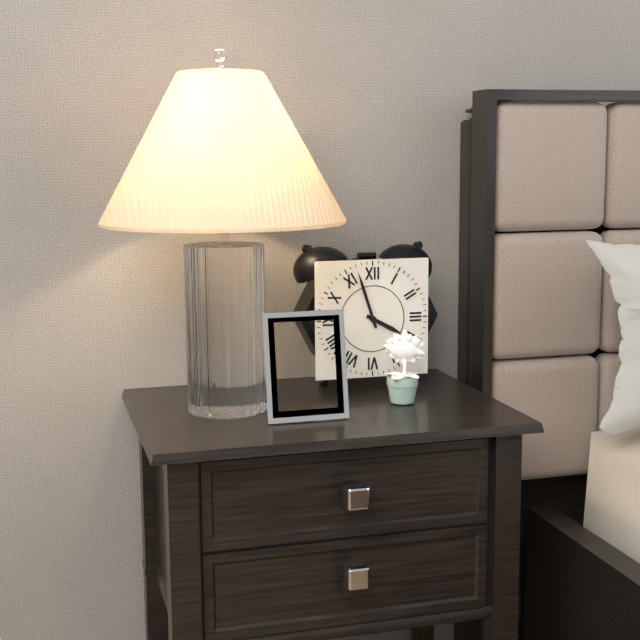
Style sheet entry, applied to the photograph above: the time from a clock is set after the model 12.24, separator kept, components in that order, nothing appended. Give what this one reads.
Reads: 3.57
